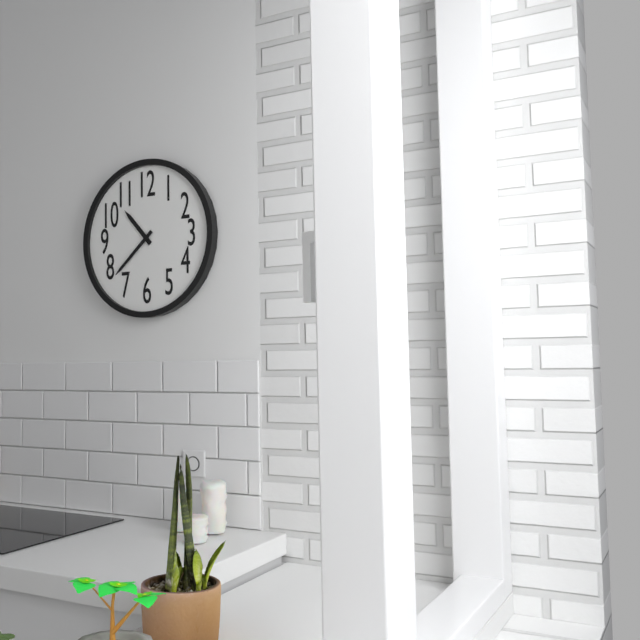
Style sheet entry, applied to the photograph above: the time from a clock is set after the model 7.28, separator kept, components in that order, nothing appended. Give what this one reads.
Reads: 10.38
